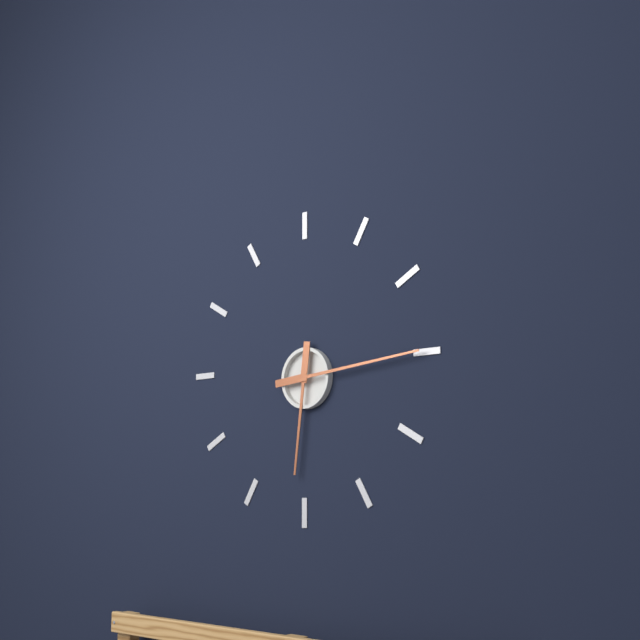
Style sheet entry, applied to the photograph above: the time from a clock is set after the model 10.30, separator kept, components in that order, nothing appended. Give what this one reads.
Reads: 6.14
